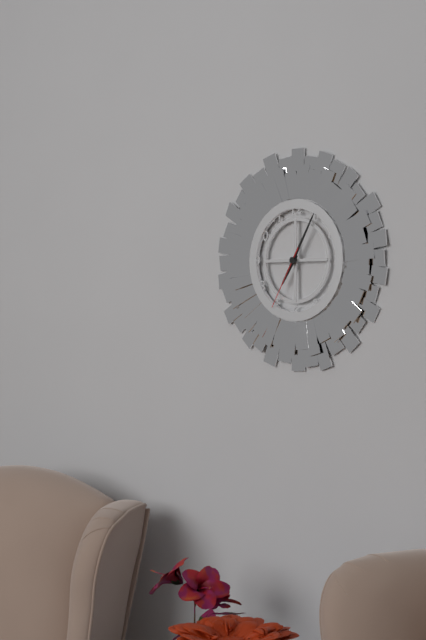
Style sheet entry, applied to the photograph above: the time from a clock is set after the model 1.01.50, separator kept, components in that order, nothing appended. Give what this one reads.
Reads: 7.05.35
